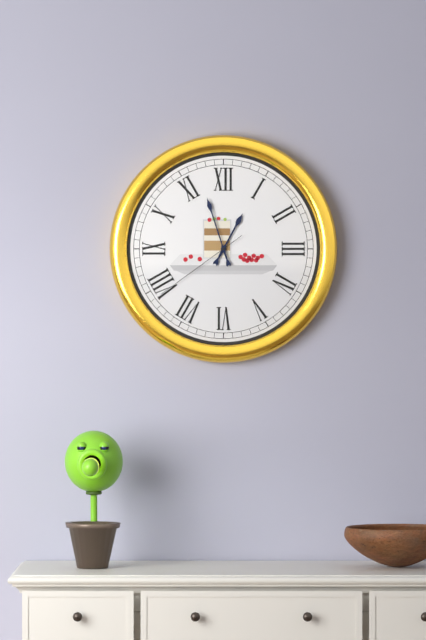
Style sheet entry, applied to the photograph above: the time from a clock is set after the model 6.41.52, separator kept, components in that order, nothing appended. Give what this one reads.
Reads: 12.57.39
